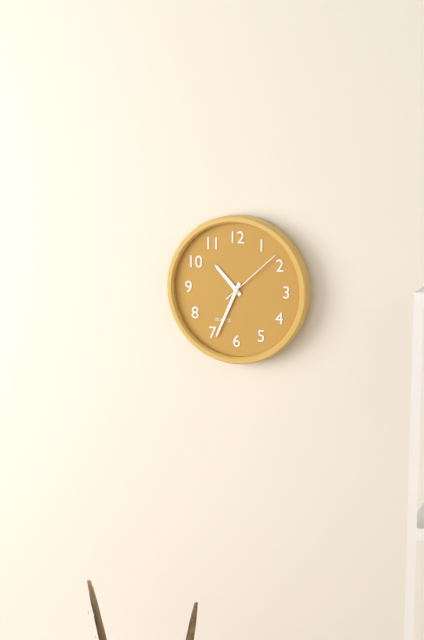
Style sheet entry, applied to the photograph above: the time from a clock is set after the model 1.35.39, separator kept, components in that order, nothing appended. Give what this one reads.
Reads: 10.34.08
